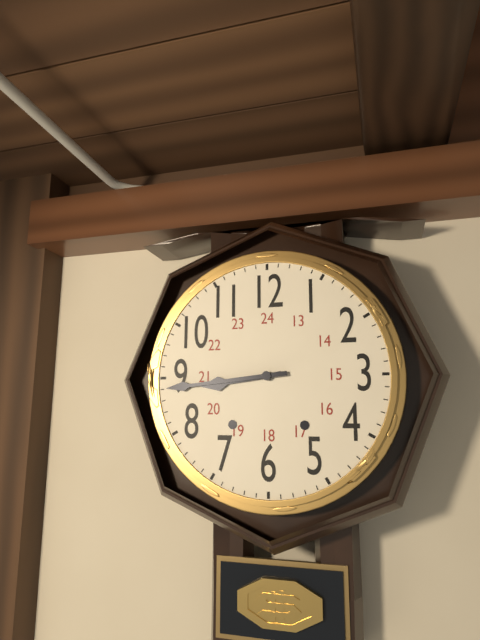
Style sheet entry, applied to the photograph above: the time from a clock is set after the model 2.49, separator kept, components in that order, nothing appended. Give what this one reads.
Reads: 8.44
